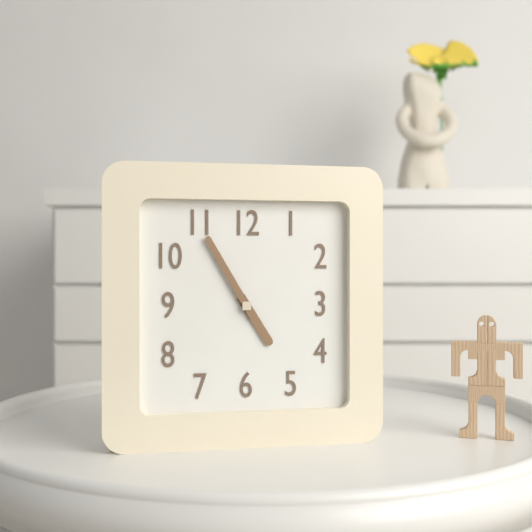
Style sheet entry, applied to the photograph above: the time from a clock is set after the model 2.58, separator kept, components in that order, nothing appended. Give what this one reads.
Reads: 4.55
